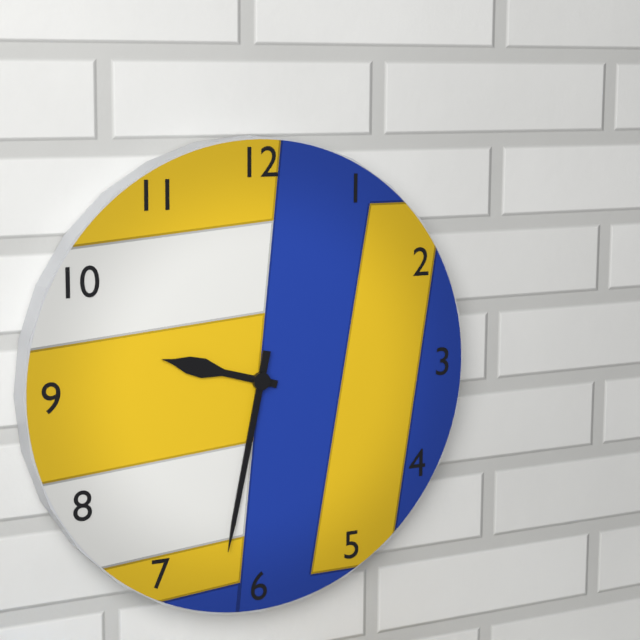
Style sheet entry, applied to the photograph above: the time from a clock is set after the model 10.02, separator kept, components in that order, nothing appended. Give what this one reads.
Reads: 9.32
